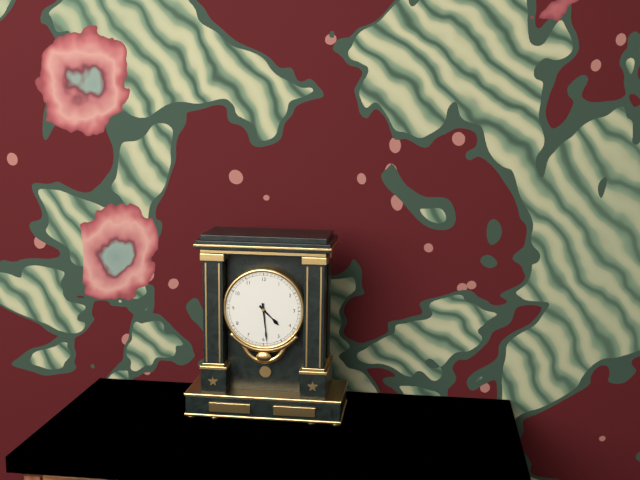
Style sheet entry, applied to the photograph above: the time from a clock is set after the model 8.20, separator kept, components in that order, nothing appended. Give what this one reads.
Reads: 4.29
